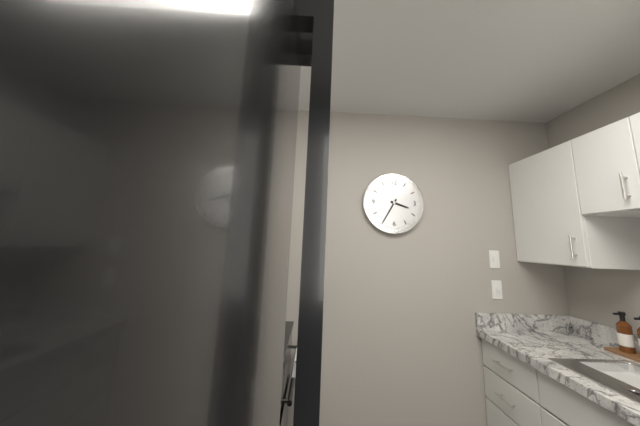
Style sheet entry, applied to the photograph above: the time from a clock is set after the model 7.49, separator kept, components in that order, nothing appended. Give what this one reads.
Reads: 3.35
